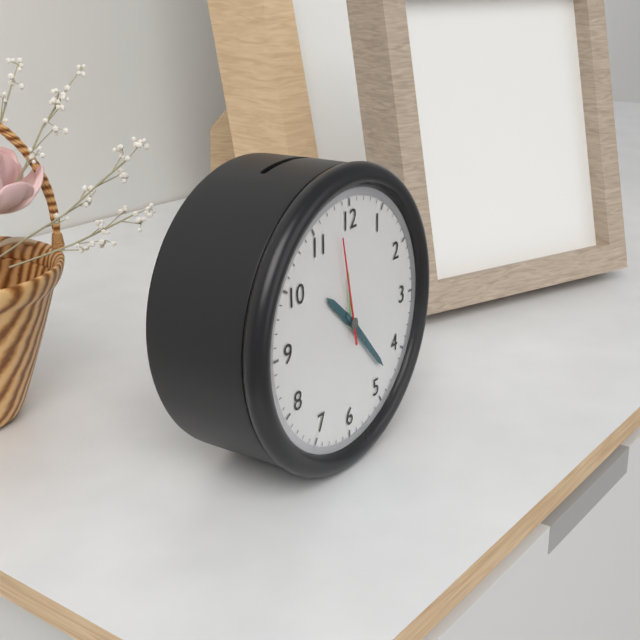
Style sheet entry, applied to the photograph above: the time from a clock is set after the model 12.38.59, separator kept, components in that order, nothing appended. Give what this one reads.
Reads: 10.23.58
